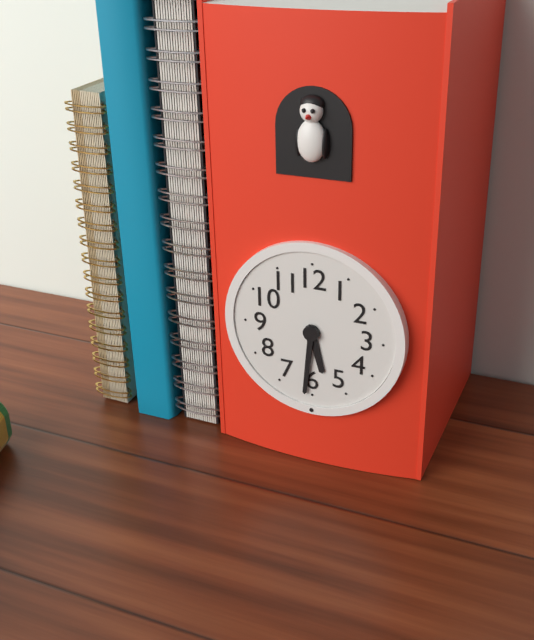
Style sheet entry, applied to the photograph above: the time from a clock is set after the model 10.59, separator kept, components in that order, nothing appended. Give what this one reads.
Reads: 5.31
